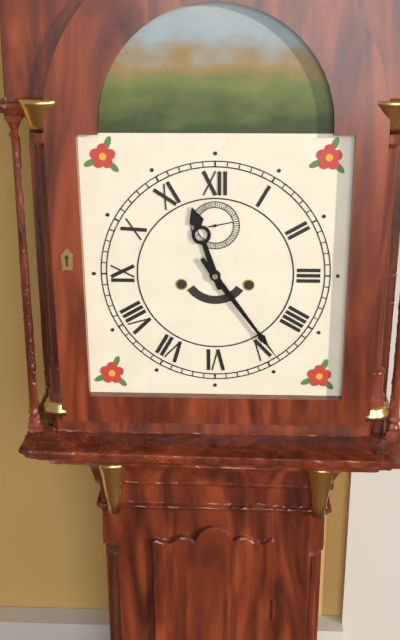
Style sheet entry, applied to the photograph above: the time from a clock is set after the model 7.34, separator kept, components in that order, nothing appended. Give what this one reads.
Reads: 11.24
